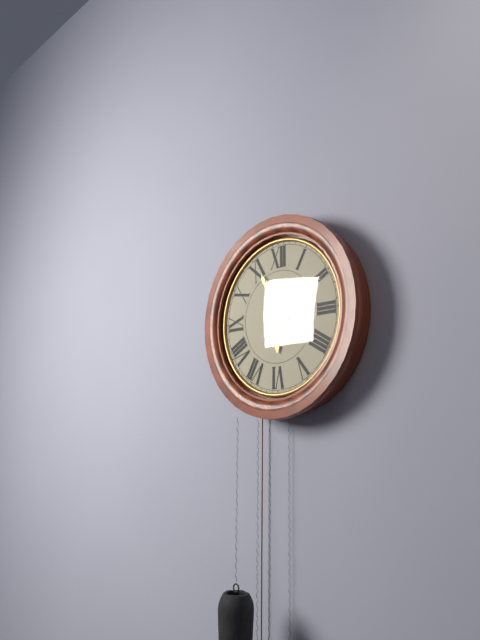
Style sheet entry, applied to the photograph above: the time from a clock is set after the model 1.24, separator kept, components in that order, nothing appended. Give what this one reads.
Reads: 5.56
